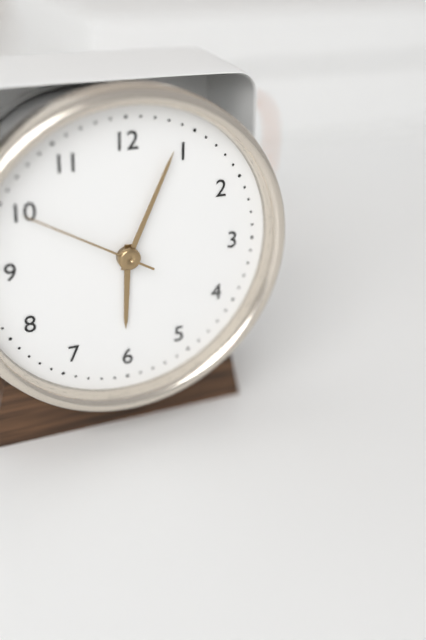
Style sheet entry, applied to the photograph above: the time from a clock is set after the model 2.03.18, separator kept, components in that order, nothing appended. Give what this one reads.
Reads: 6.04.50
